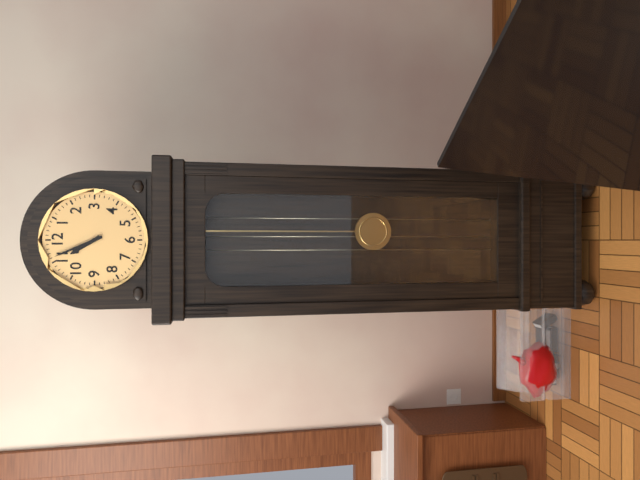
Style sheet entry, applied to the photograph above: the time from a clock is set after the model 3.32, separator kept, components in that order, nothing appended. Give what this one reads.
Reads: 10.56
